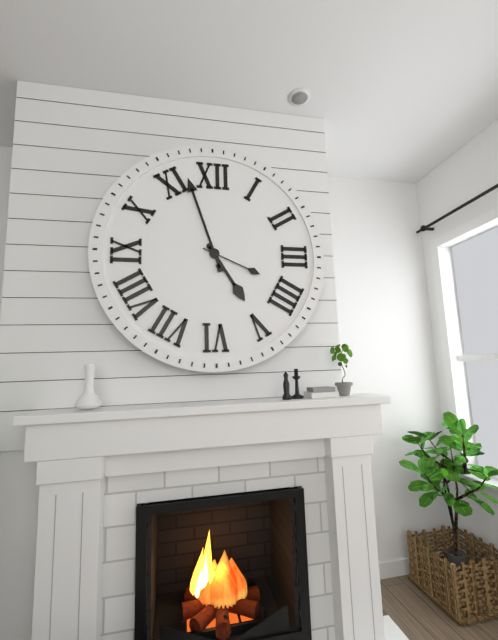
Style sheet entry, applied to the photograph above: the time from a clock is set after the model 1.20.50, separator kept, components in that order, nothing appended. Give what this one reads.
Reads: 4.57.19
